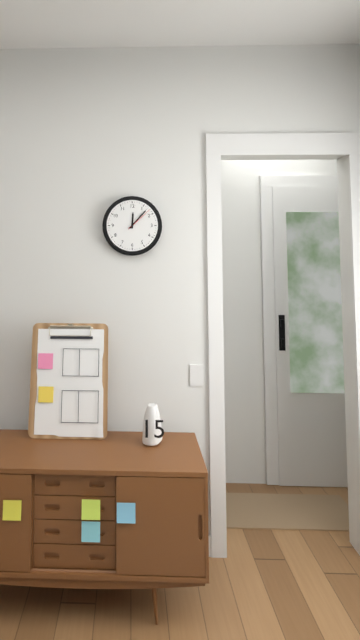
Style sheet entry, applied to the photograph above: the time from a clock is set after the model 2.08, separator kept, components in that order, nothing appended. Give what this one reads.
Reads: 12.07
